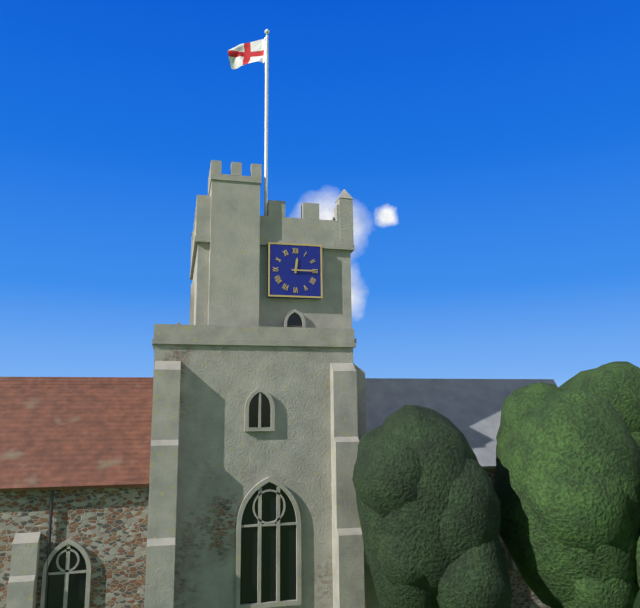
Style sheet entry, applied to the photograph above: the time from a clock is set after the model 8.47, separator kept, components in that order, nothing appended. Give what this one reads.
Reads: 12.15
